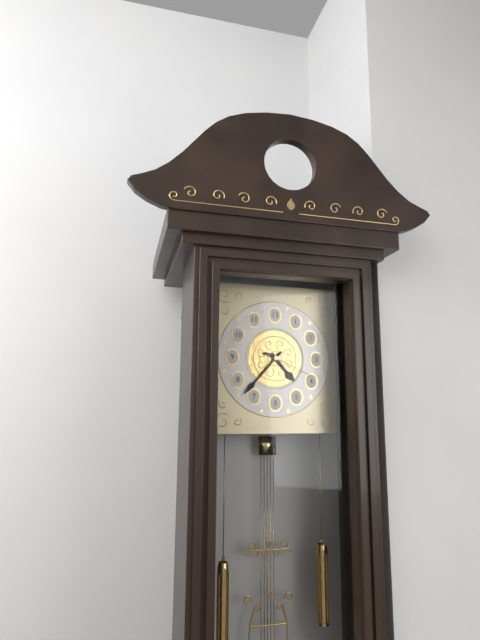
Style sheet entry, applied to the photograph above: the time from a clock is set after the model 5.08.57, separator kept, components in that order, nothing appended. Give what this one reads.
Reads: 4.37.19
